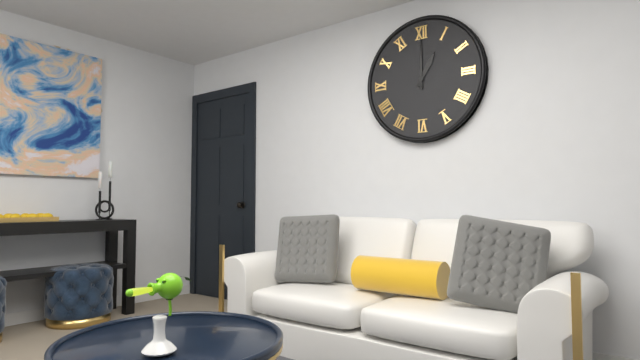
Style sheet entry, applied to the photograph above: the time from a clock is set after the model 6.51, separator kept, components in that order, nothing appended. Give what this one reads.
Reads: 1.00
